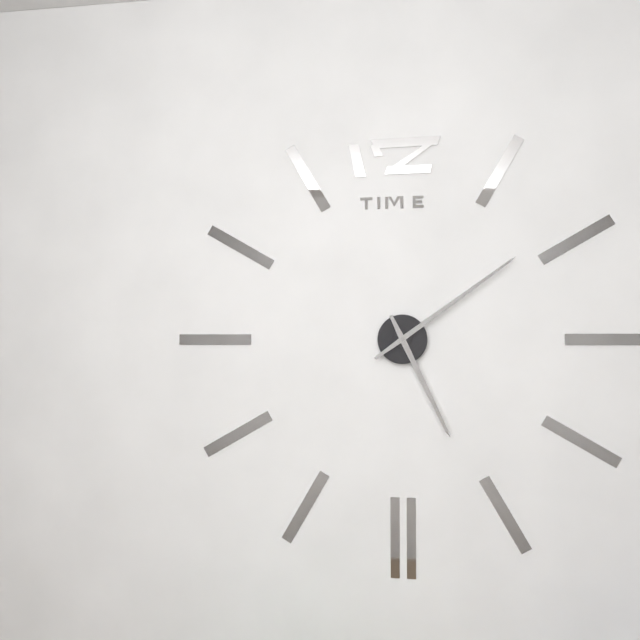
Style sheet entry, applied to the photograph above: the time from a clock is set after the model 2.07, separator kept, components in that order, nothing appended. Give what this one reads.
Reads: 5.09
